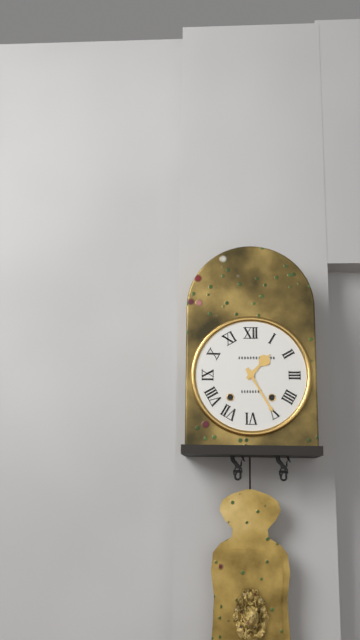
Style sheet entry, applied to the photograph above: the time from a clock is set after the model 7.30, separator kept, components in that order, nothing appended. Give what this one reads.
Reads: 1.25
